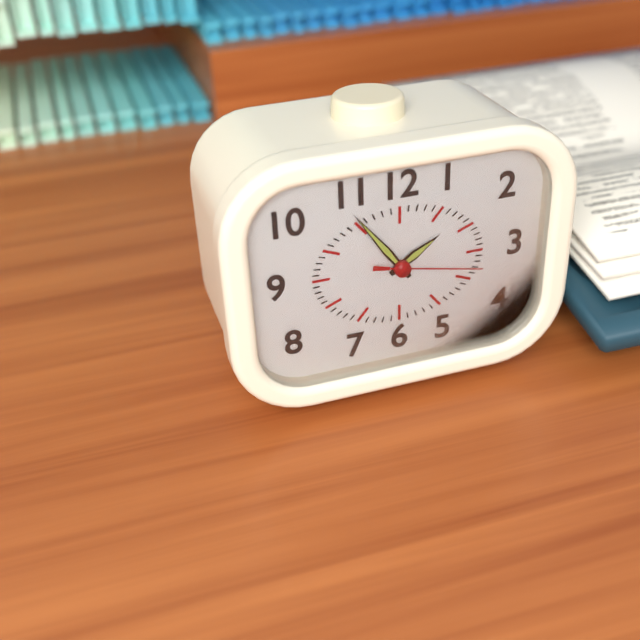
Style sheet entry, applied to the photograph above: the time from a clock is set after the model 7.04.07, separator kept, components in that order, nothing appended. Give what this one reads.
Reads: 1.54.17
